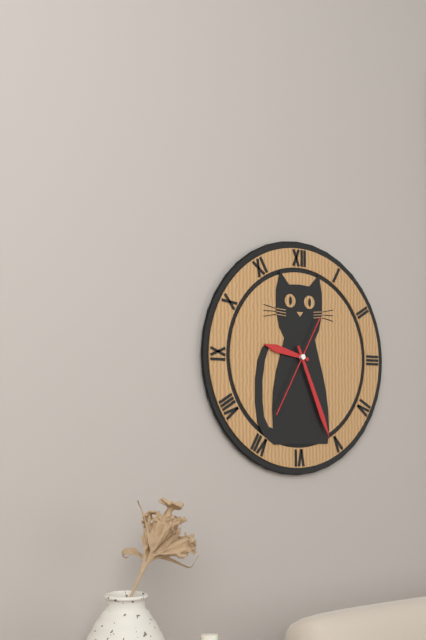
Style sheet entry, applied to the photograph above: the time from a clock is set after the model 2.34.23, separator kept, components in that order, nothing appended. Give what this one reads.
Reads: 9.26.35
